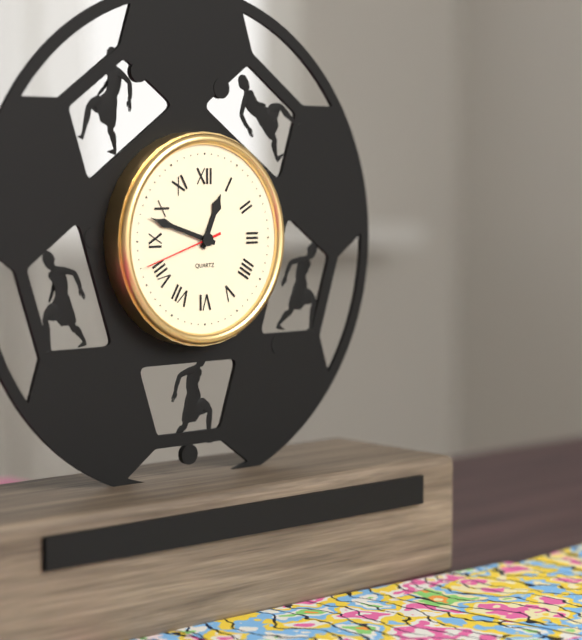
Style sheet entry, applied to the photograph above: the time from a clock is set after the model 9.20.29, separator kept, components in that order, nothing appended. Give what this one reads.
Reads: 12.48.42
